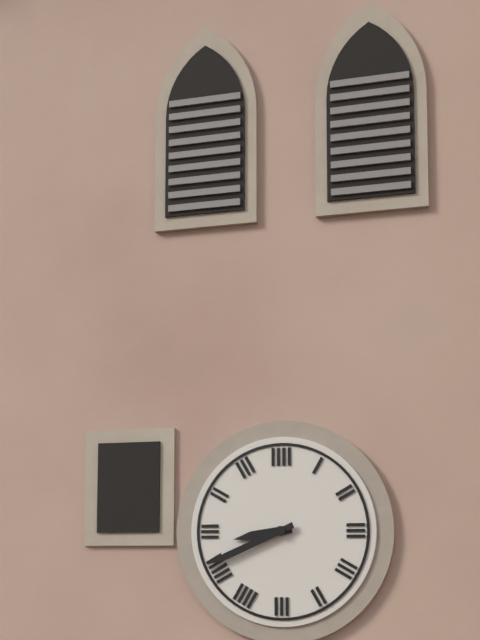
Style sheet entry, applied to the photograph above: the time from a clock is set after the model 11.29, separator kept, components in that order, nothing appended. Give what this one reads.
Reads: 8.41
